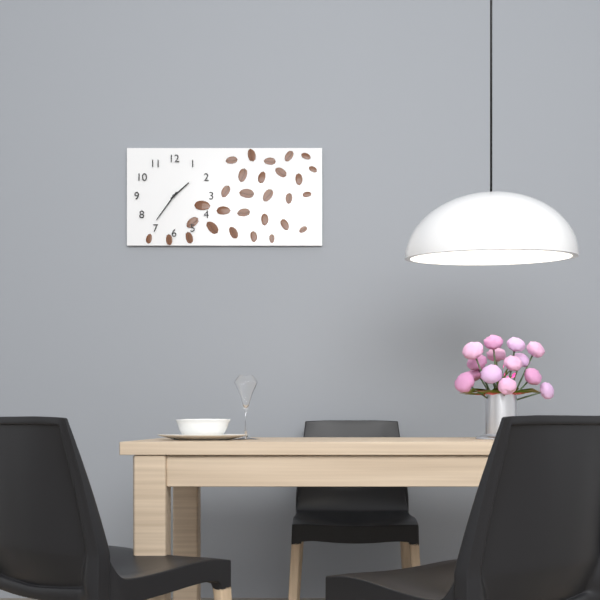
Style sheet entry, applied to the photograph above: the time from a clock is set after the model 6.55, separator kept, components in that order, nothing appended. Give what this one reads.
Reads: 1.36
